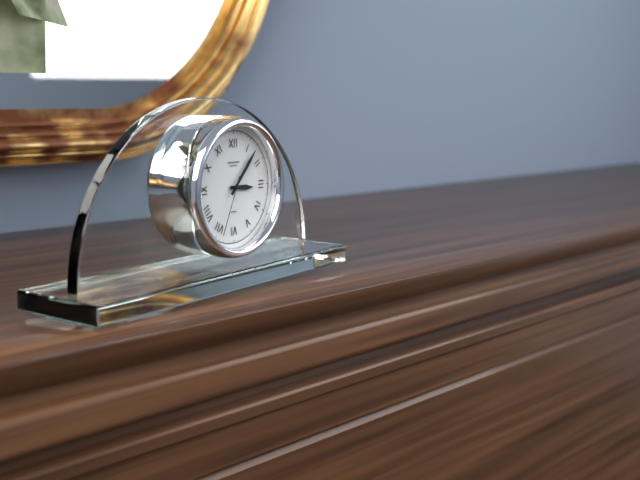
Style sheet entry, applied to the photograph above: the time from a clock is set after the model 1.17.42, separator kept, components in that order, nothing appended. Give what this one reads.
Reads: 3.07.34
